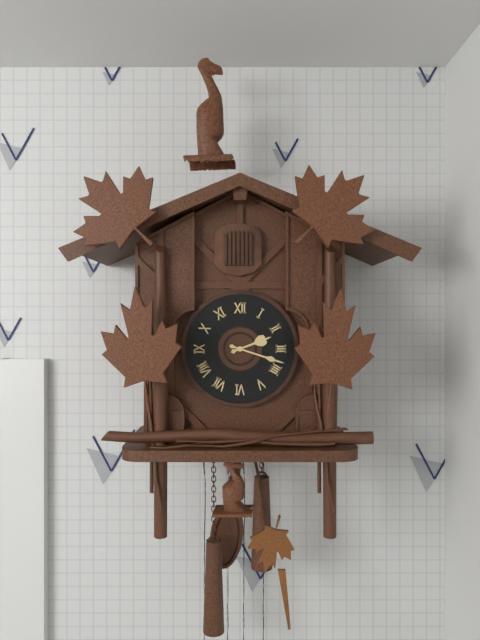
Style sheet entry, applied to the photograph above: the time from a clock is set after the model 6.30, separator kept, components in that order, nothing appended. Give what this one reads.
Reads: 2.18
